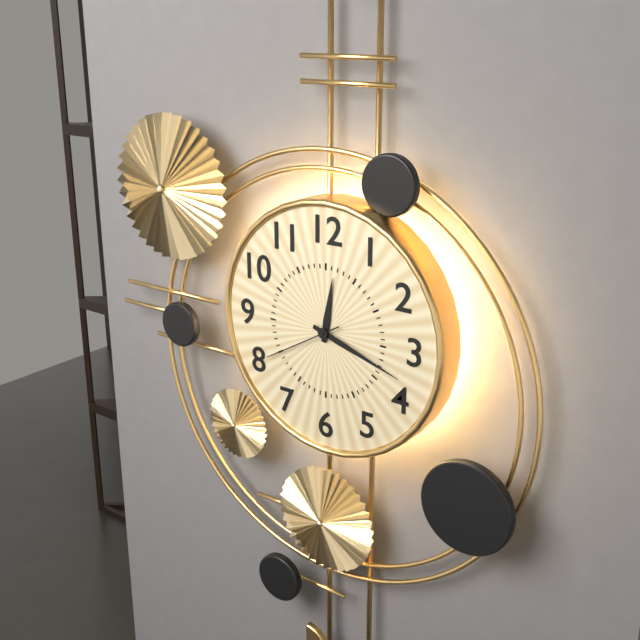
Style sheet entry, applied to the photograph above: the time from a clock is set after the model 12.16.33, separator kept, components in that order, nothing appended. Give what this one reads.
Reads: 12.18.40
